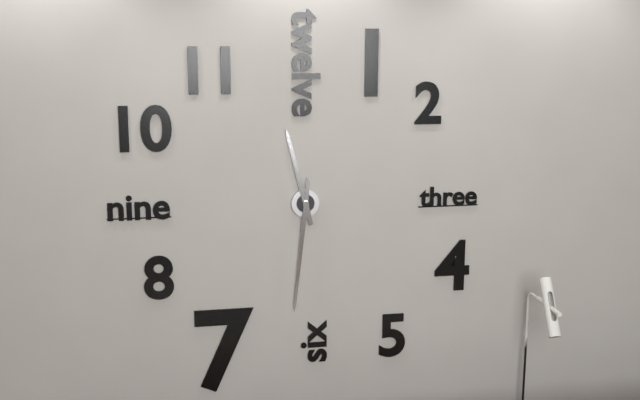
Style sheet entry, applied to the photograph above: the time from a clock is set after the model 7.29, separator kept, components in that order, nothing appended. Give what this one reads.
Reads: 11.31
